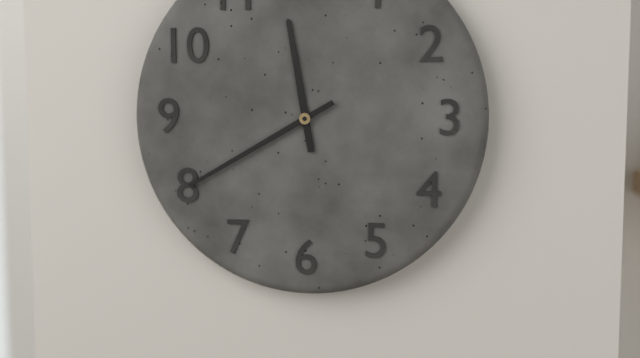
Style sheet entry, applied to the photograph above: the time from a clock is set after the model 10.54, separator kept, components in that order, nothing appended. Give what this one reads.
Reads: 11.40
